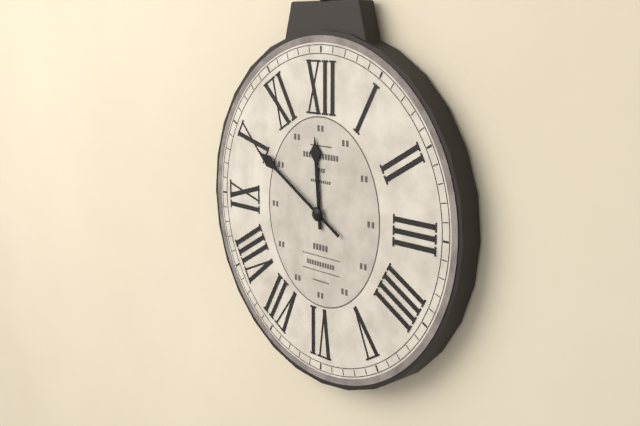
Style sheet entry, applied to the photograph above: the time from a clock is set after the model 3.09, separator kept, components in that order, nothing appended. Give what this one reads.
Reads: 11.50
